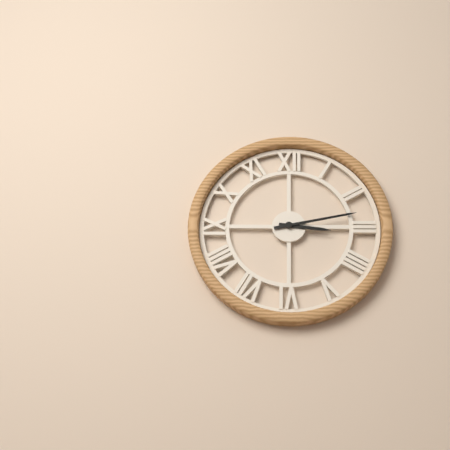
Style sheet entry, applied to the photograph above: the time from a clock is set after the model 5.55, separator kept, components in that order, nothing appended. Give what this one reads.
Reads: 3.13
